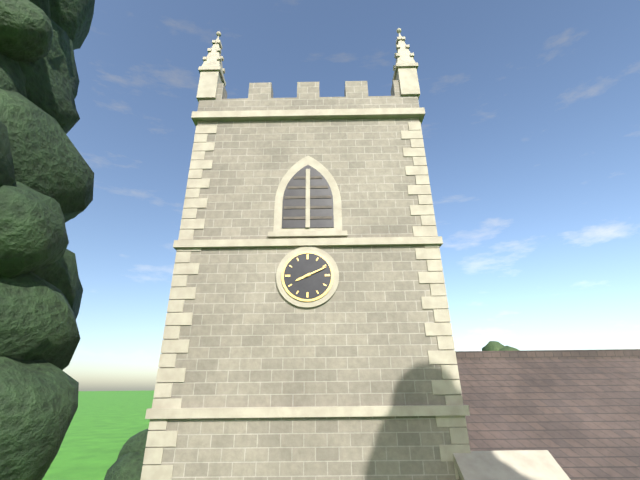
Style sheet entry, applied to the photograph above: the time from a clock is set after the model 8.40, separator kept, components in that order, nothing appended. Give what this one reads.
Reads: 8.11
